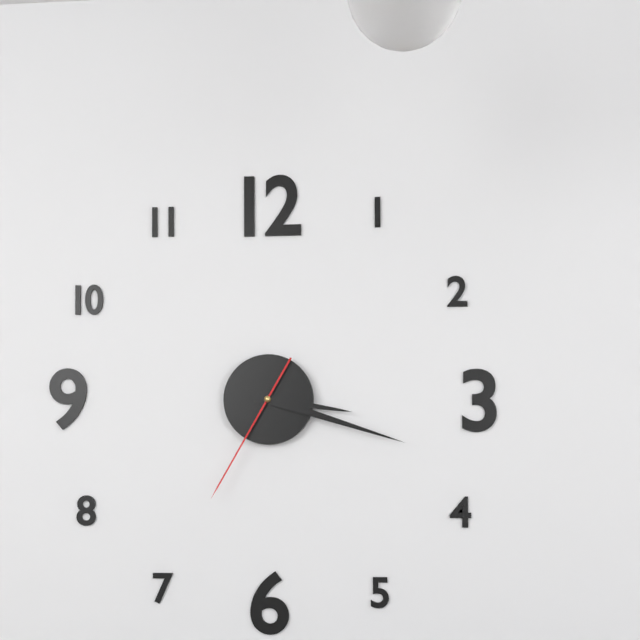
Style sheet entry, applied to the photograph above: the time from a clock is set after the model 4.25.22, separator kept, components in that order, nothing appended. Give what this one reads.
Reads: 3.18.35
